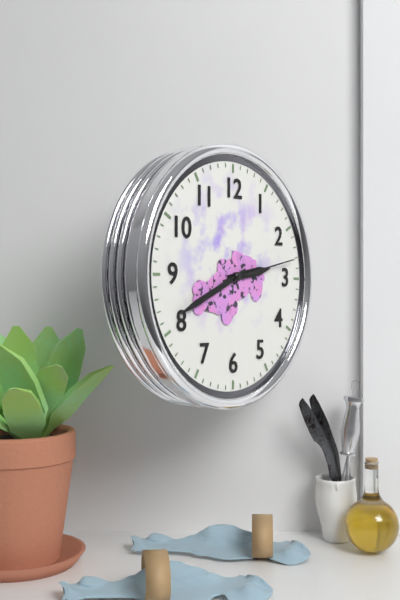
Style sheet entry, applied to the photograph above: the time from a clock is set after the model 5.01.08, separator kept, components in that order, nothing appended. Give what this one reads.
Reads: 2.41.13
